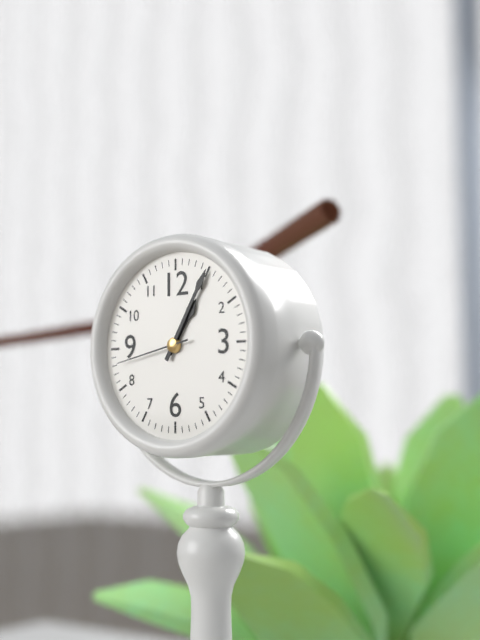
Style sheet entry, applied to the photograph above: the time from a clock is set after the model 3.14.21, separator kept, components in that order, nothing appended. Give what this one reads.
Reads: 1.05.43
